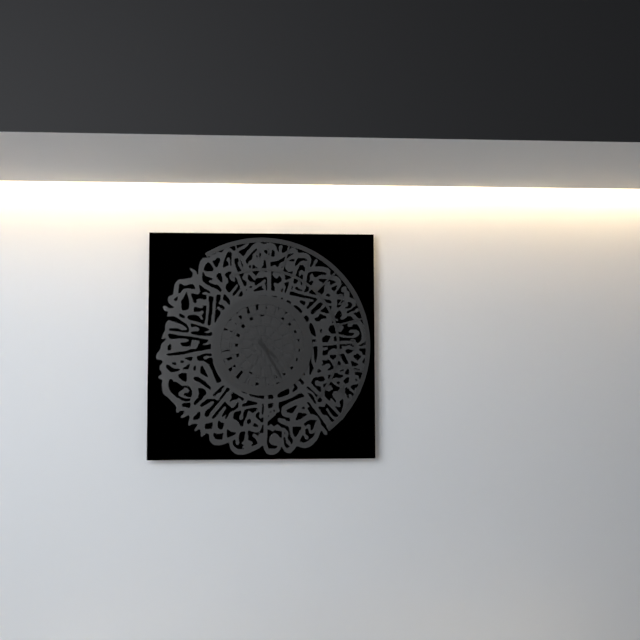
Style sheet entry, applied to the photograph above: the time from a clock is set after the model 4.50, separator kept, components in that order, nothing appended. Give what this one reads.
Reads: 4.25
